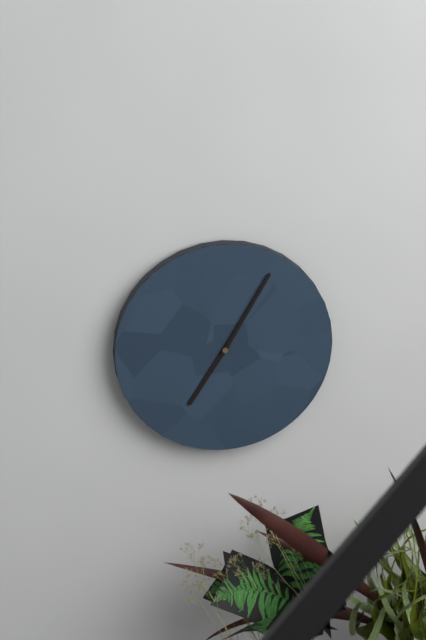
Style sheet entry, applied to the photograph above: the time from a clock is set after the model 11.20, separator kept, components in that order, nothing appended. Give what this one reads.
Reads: 7.05
